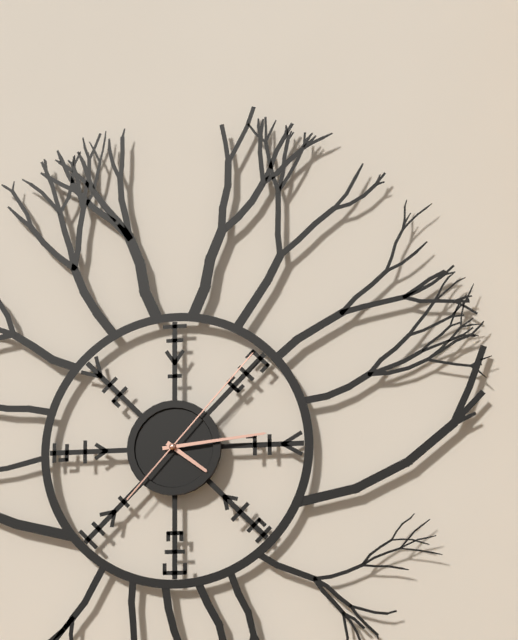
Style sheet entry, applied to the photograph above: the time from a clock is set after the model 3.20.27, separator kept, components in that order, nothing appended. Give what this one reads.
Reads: 4.14.07
